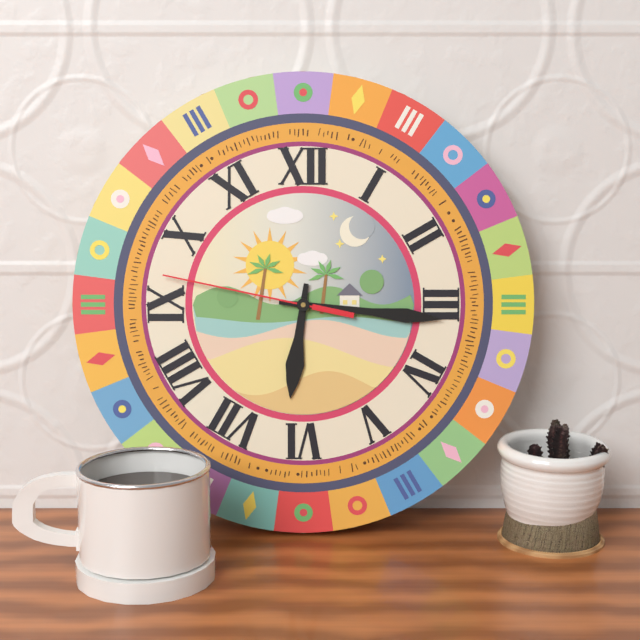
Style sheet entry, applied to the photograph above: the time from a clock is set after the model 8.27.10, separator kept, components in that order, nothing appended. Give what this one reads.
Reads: 6.16.47
